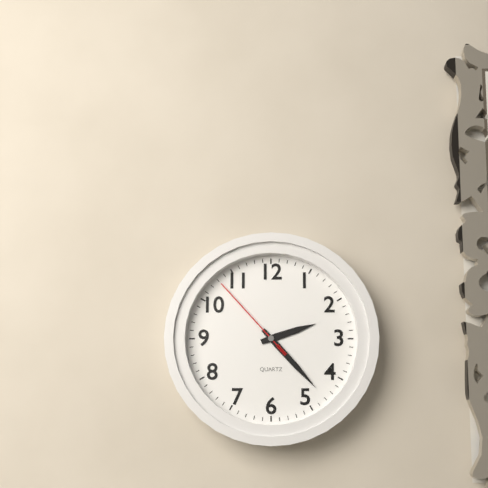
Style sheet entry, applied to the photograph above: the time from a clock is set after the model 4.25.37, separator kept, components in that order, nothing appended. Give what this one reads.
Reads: 2.23.53
